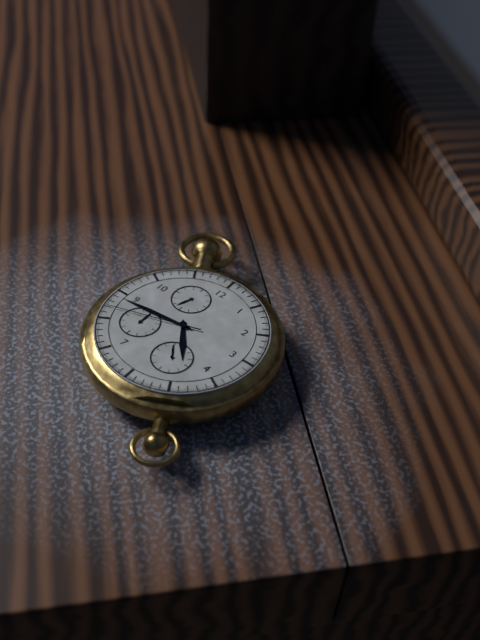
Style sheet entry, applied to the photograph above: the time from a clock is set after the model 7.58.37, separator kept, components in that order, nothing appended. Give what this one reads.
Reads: 4.44.42
